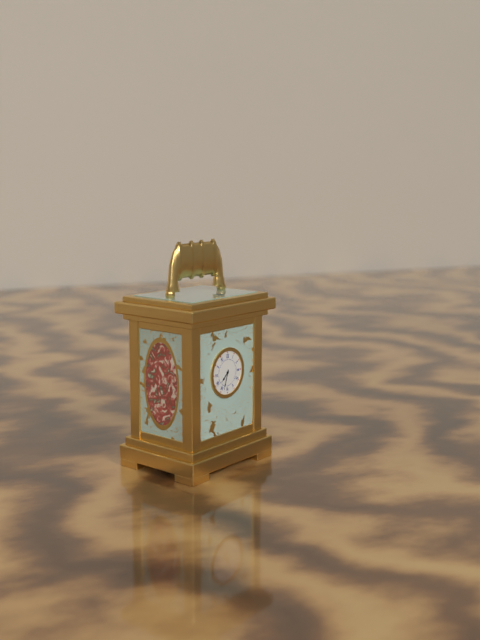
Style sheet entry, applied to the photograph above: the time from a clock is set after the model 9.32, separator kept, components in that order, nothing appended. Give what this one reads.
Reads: 7.33
